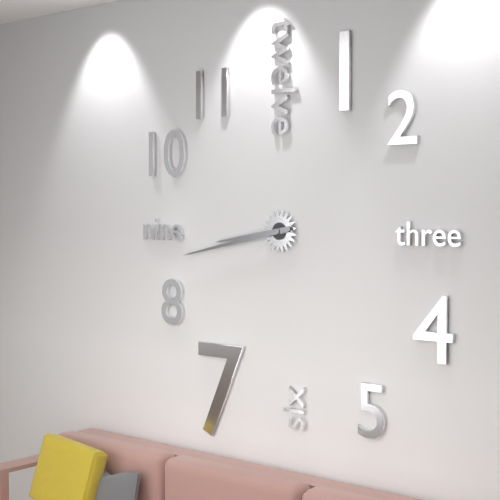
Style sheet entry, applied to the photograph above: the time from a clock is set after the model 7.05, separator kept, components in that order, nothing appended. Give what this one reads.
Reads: 8.43
